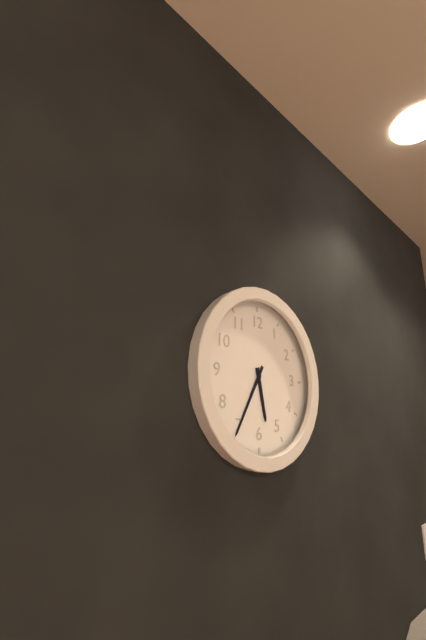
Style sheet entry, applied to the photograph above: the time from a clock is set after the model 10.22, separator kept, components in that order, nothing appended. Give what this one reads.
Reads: 5.35
